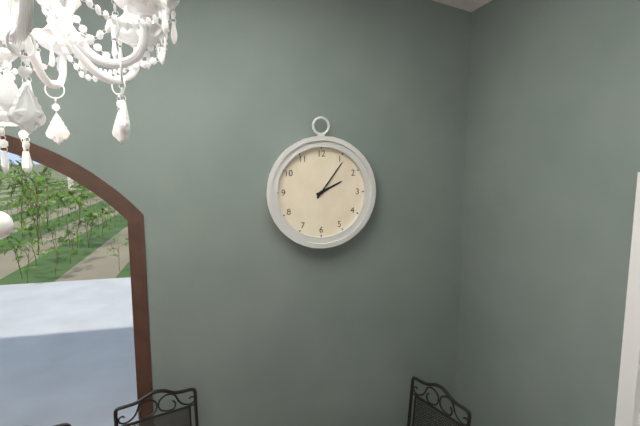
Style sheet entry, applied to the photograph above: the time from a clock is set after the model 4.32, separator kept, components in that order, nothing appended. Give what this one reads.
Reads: 2.06
